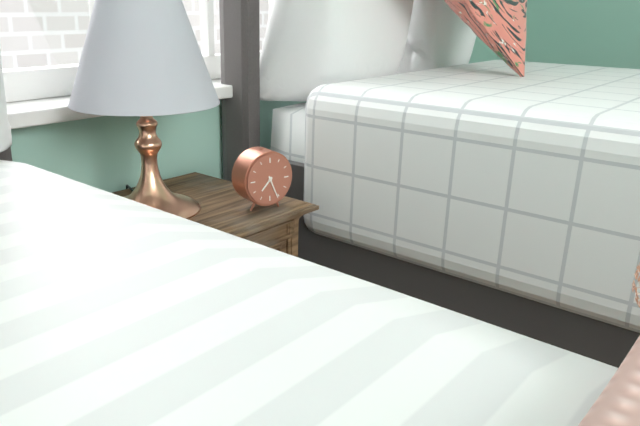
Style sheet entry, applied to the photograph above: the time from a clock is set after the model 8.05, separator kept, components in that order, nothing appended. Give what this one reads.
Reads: 7.26
